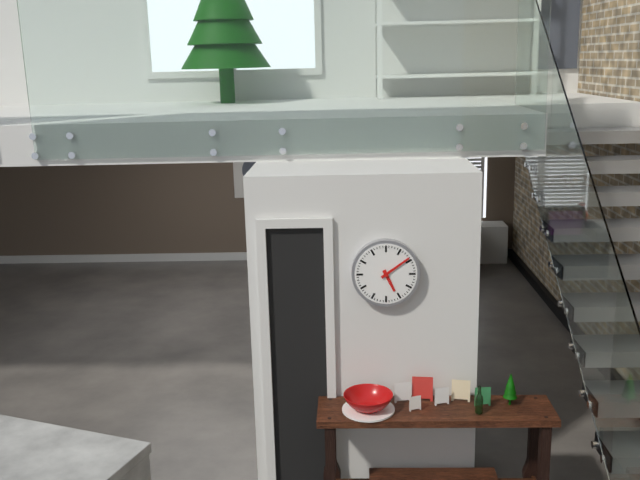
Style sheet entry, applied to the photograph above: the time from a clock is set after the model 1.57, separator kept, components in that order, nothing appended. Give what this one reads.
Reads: 5.09
